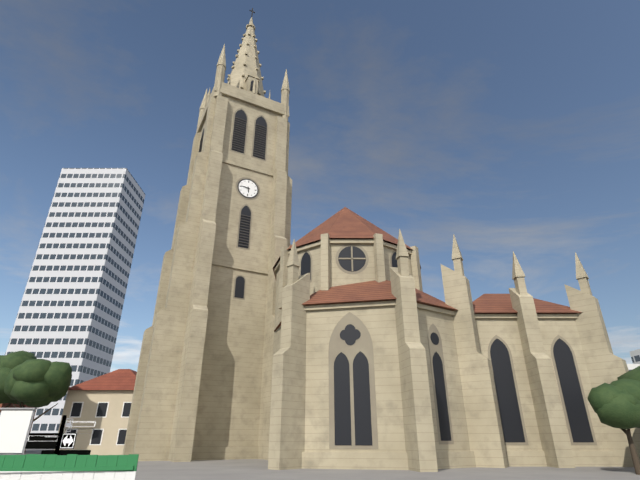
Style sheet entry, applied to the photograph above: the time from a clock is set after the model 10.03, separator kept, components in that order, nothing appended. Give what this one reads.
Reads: 5.46
